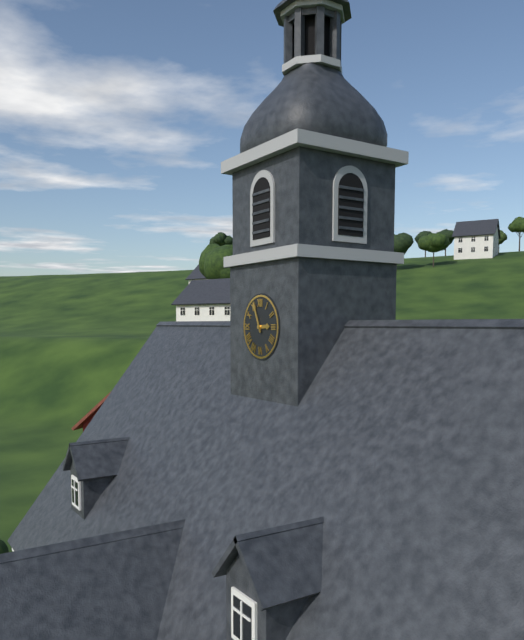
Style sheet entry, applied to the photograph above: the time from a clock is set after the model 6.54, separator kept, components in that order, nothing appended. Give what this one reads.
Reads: 2.56
